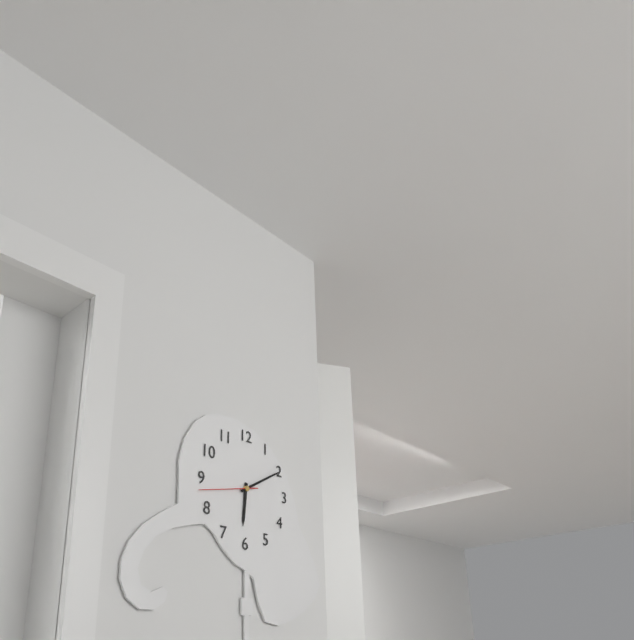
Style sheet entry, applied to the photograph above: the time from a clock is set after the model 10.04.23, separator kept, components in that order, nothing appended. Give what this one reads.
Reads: 6.10.43
